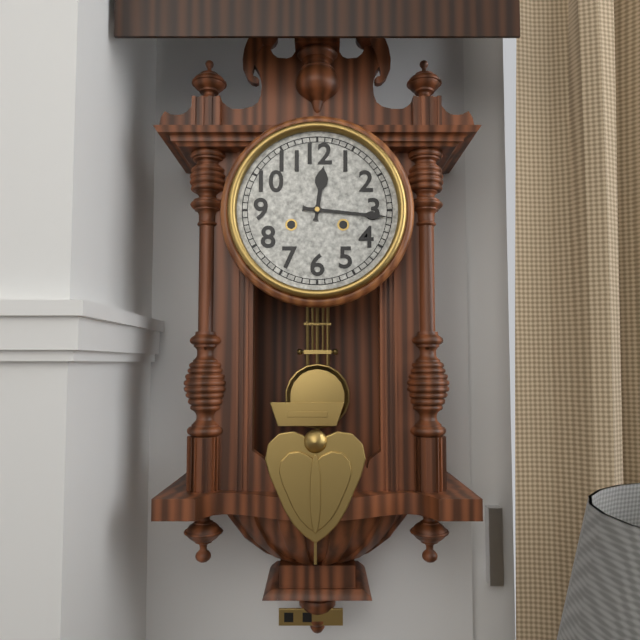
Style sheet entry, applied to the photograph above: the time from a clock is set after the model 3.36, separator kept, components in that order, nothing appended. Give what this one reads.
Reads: 12.16
